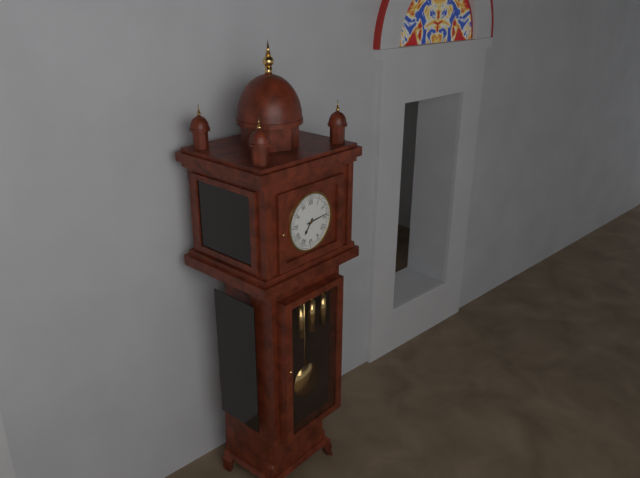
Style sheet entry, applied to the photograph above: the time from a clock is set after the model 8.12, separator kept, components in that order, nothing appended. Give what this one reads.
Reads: 7.14
